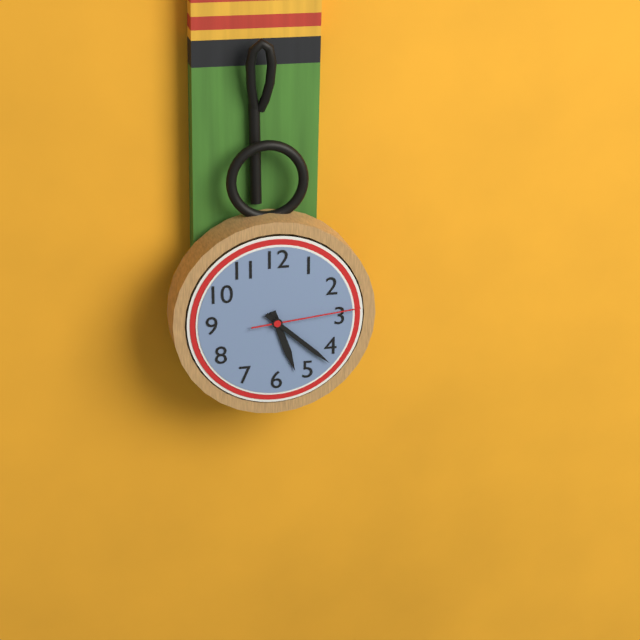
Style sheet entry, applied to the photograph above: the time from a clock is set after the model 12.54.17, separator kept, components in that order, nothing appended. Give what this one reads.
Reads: 5.22.14
